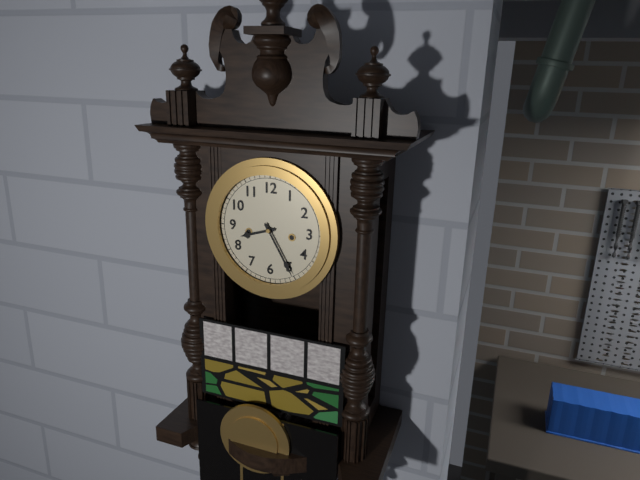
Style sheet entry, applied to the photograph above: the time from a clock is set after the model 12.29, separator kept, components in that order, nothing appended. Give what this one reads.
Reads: 8.25
